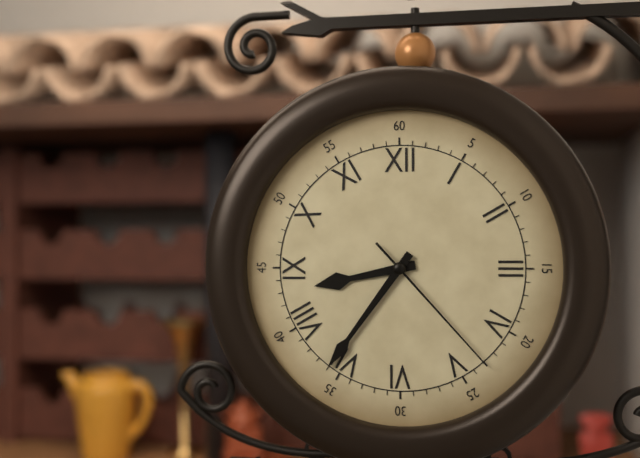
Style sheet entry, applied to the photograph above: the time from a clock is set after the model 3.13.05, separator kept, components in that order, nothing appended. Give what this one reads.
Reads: 8.36.23
